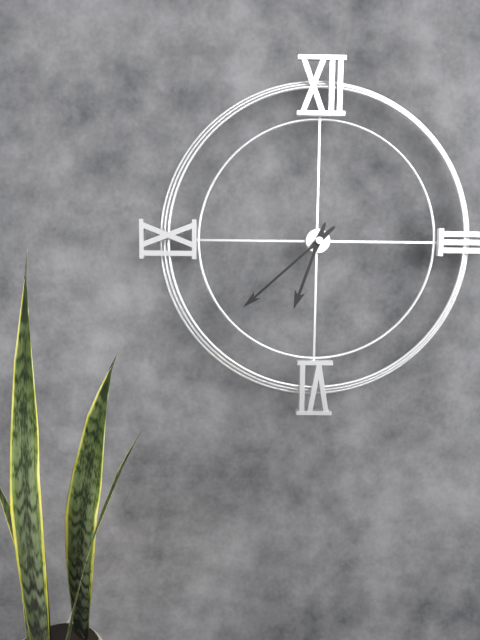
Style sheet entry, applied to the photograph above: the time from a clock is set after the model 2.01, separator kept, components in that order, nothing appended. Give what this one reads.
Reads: 6.38
